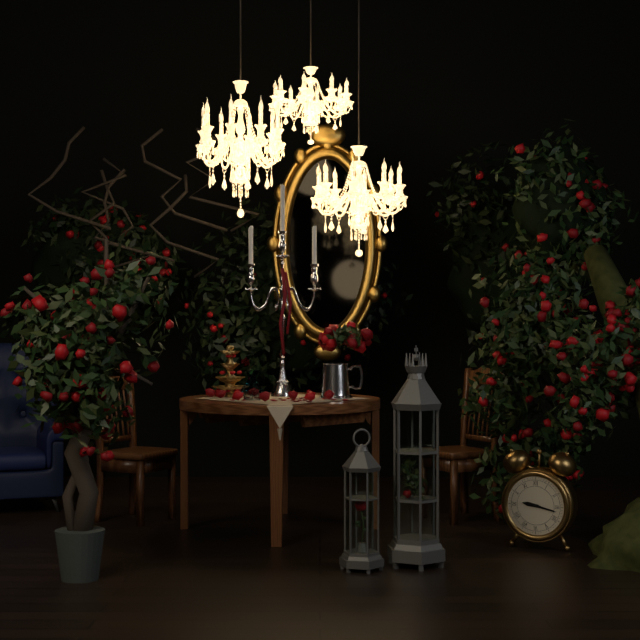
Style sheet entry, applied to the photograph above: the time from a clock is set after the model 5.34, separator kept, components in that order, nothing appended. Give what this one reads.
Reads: 9.17
